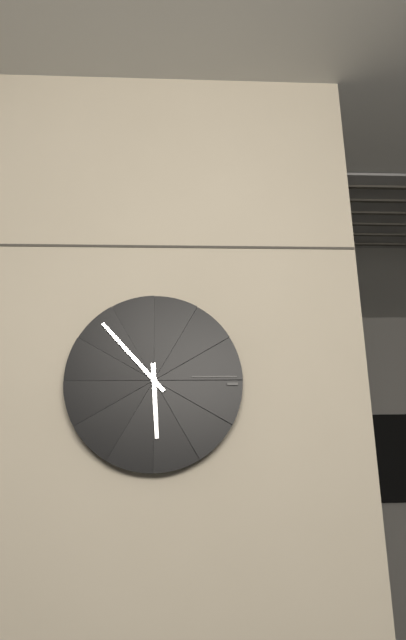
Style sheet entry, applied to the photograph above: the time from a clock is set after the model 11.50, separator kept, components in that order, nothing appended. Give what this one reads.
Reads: 5.53
